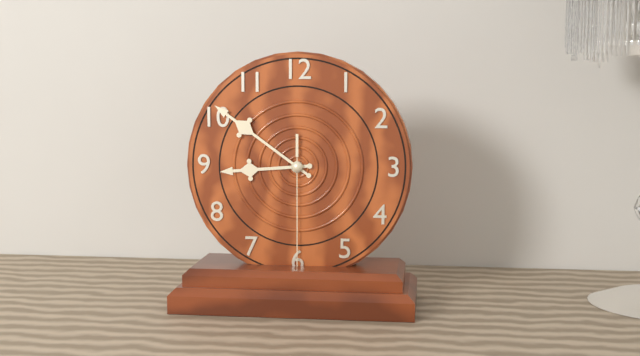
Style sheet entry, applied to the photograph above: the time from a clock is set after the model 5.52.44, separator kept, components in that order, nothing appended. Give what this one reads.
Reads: 8.51.30
